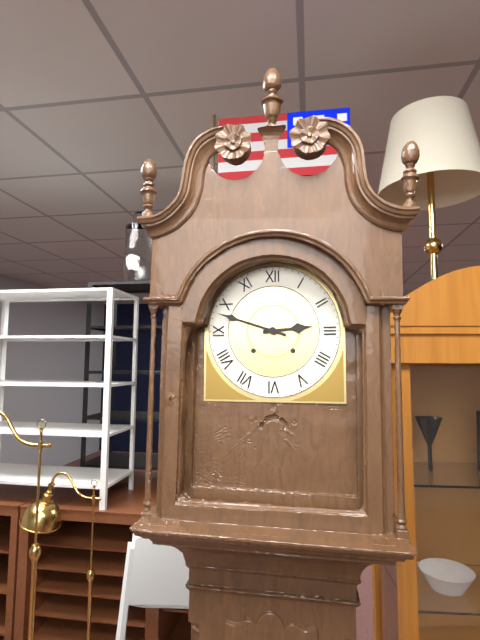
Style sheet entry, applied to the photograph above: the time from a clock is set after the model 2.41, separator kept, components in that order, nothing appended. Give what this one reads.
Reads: 2.48
